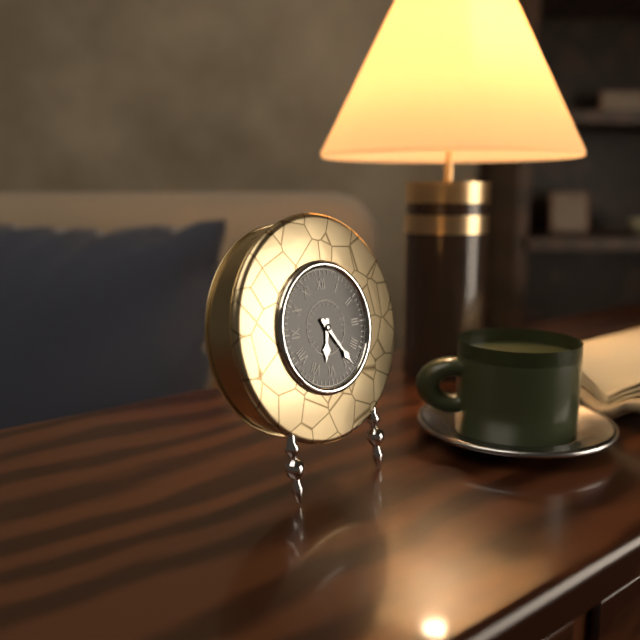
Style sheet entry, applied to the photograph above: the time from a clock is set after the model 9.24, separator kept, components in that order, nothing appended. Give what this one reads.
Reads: 6.24
